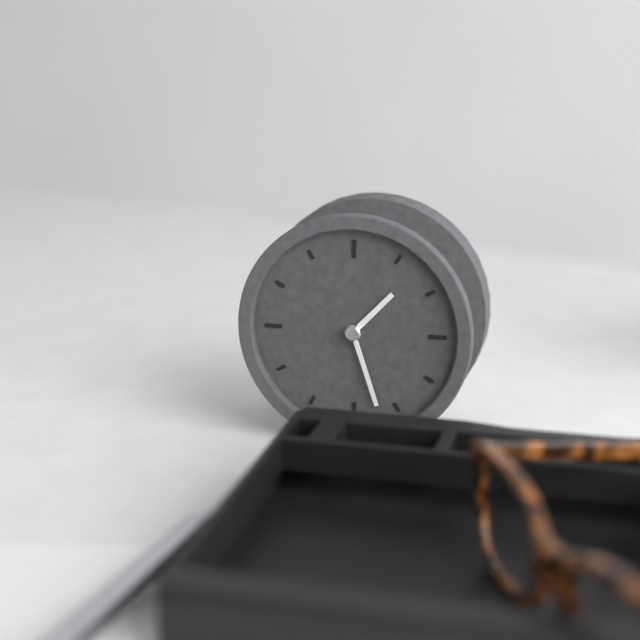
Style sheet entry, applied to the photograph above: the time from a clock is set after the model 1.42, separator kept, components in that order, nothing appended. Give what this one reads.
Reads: 1.27
